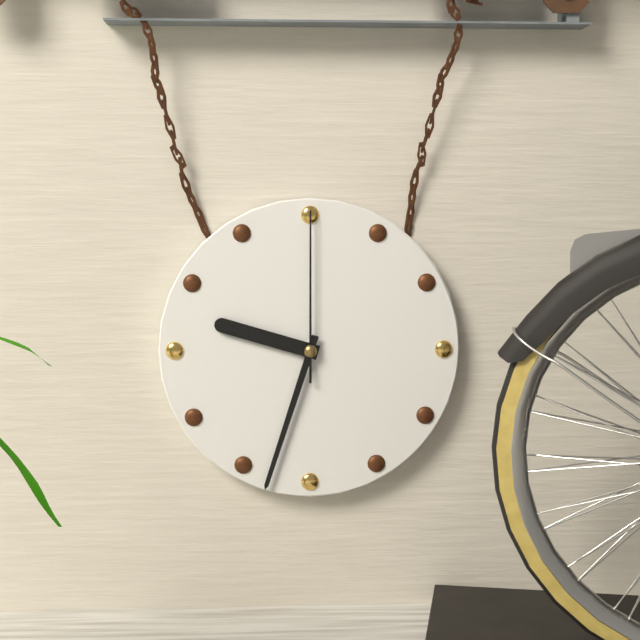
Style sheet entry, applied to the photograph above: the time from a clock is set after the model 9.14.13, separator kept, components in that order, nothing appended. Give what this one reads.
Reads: 9.33.00
